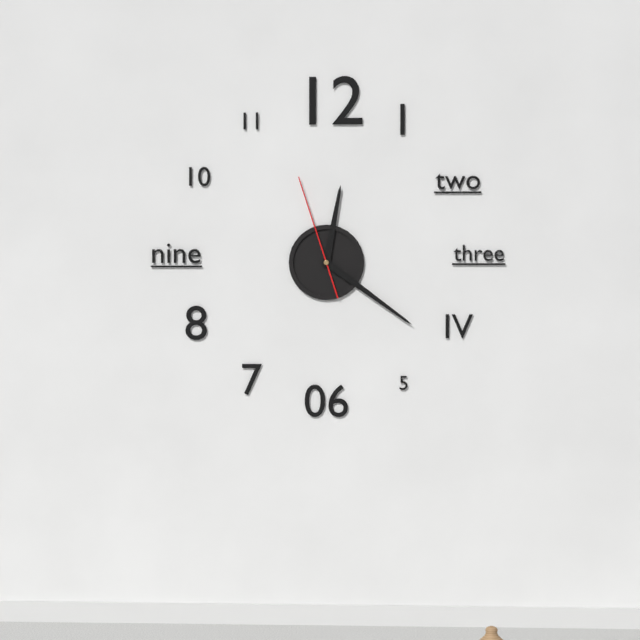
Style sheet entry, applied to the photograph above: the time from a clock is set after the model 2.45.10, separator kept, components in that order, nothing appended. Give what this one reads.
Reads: 12.21.57
